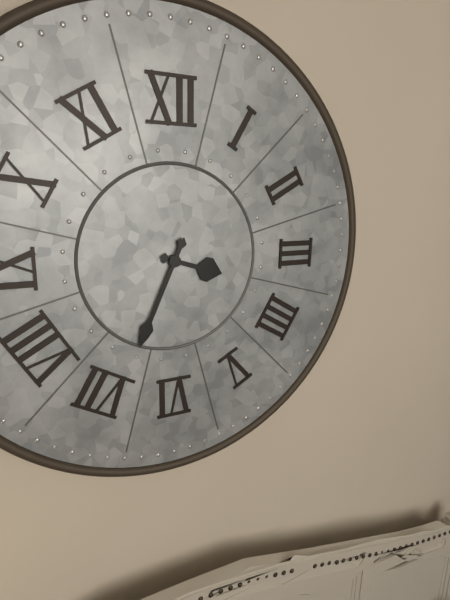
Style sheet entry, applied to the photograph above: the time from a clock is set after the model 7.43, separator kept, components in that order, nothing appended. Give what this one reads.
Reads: 3.34
